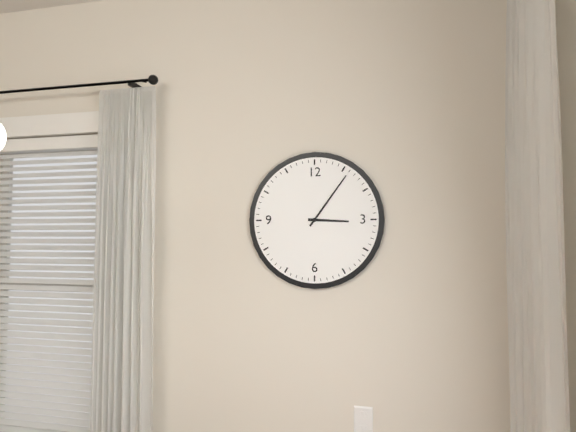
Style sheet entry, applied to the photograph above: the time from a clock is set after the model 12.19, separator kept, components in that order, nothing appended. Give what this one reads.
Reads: 3.06
